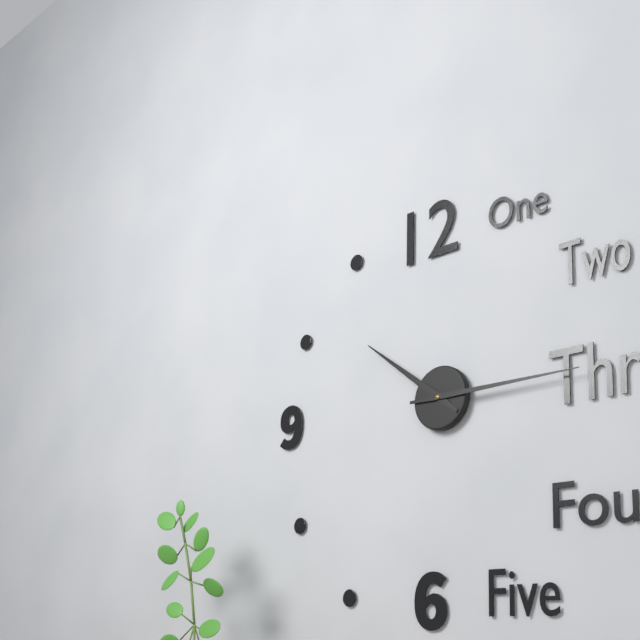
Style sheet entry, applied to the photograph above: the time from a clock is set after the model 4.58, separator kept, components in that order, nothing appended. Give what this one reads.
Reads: 10.15
